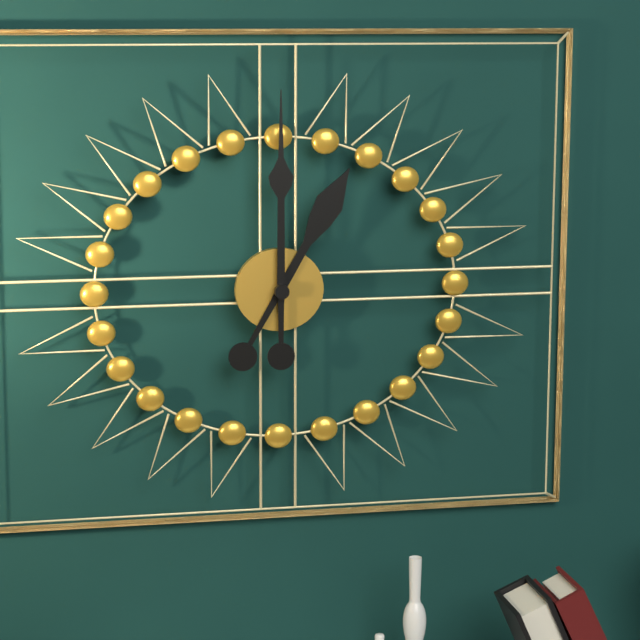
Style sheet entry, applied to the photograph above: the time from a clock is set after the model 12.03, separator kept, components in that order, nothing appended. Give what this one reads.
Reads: 1.00
